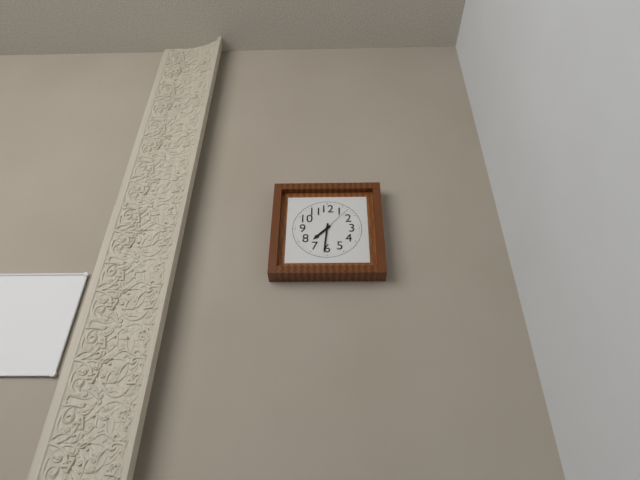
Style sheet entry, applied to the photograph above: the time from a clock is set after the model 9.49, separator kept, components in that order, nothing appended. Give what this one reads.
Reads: 7.31
